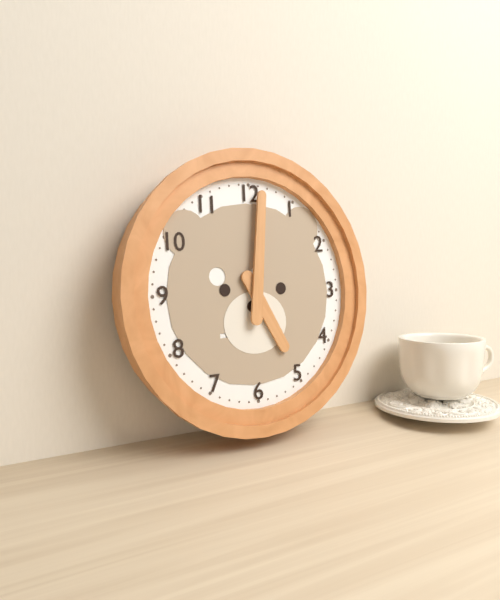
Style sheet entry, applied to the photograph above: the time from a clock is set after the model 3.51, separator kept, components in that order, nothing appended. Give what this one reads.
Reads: 5.01
